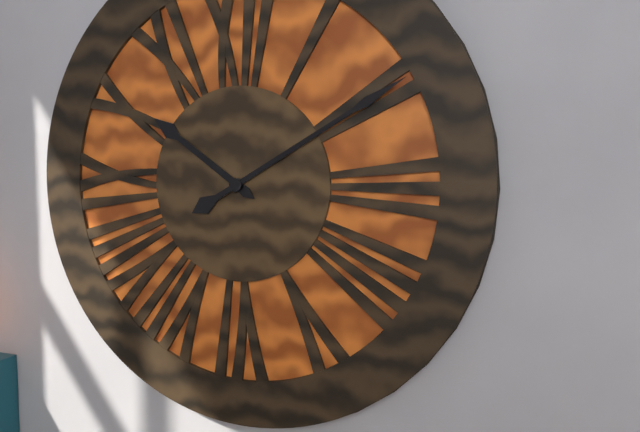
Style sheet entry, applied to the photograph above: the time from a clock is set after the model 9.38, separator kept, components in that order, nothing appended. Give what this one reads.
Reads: 10.10
